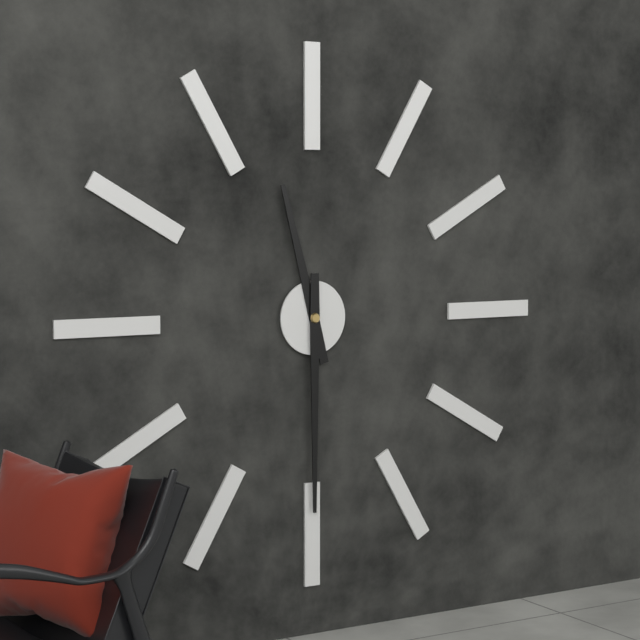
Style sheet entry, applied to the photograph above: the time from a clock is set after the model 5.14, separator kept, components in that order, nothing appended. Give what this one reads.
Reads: 11.30
